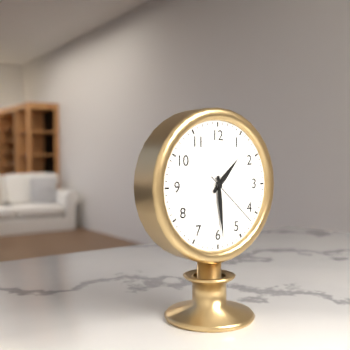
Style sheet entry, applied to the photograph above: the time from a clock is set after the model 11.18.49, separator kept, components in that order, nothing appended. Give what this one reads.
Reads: 1.29.22
